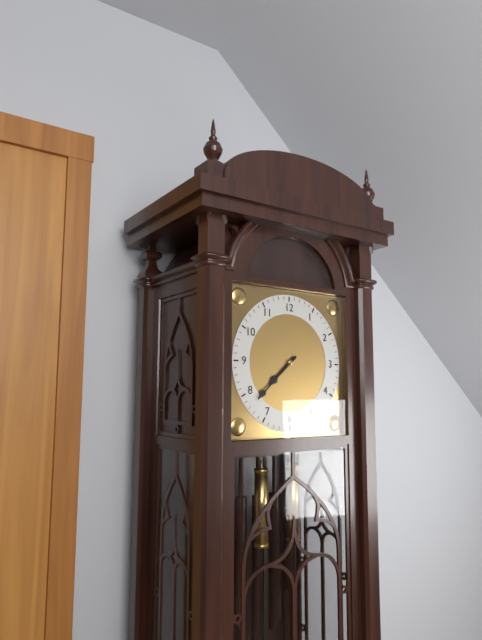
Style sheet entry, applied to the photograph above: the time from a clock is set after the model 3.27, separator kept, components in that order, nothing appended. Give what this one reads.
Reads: 7.38
